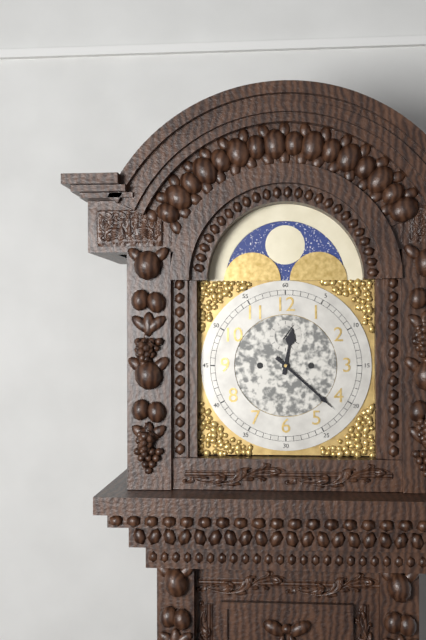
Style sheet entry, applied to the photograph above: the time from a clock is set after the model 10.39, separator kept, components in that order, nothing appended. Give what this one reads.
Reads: 12.22
